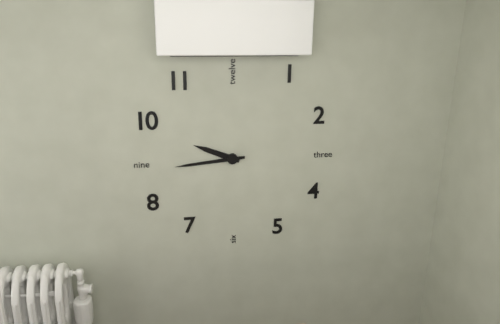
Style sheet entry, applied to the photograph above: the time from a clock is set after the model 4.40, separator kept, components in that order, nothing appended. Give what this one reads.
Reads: 9.44
